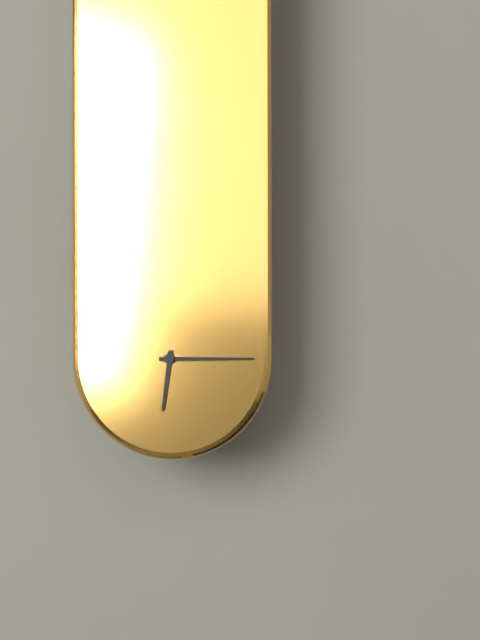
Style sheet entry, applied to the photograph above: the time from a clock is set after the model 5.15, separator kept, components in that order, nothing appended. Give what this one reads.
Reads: 6.15
